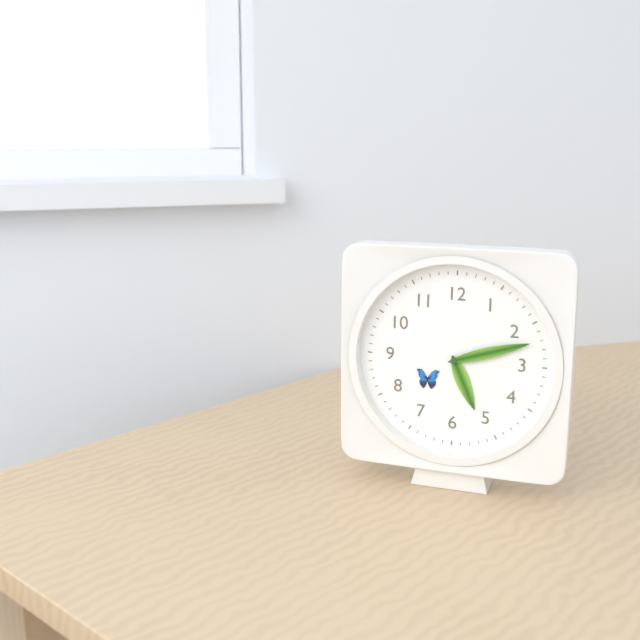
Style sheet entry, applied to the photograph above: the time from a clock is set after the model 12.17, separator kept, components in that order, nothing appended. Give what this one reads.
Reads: 5.12
